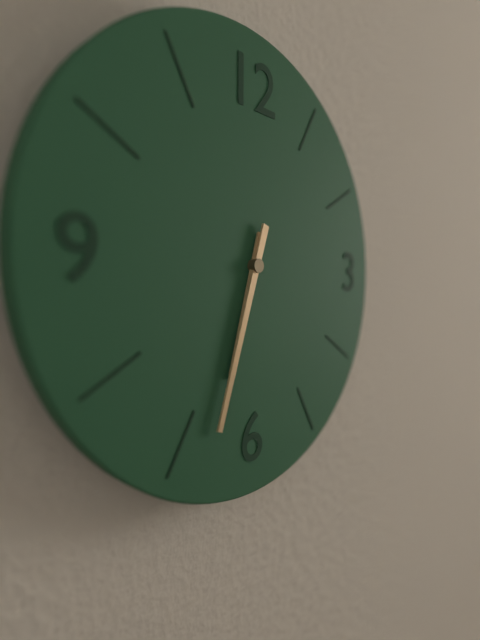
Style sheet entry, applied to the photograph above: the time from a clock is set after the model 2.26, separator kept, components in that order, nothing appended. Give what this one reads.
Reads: 6.33
